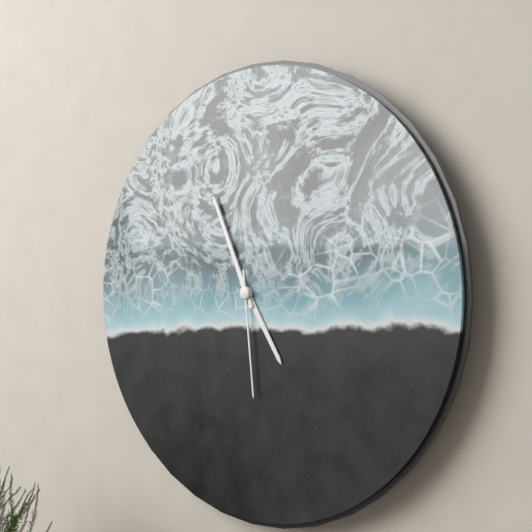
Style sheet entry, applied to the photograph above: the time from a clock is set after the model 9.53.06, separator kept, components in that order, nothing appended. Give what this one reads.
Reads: 4.56.29
